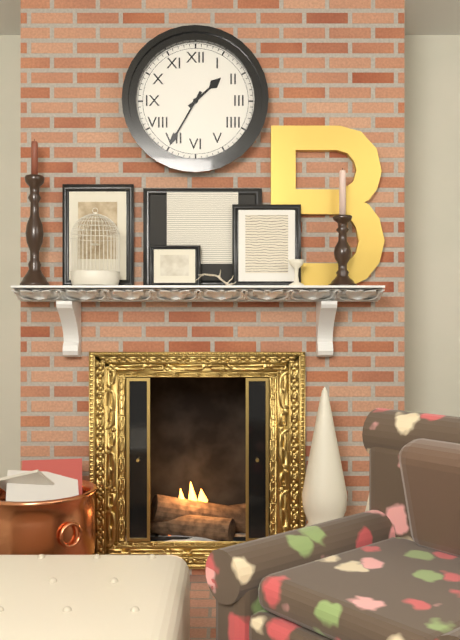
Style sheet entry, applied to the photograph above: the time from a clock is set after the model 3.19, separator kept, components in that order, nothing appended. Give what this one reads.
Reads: 1.35
